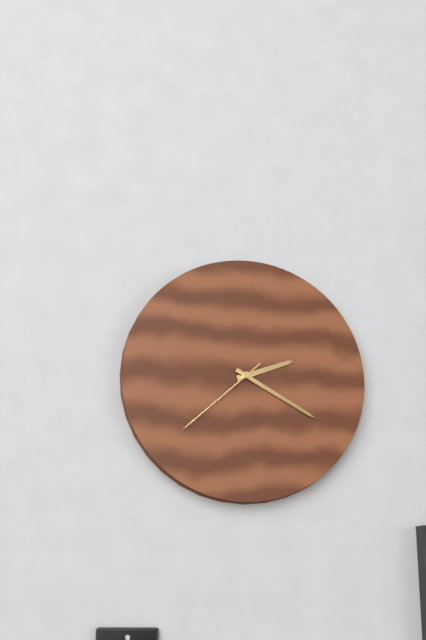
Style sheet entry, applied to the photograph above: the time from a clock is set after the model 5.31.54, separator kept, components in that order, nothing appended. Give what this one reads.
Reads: 2.20.38
